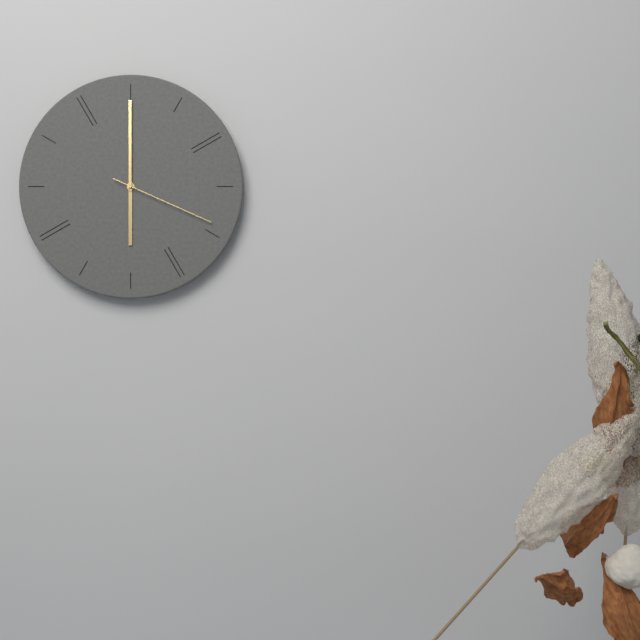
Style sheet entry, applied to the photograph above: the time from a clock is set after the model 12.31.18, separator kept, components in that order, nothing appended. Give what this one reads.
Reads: 6.00.19
